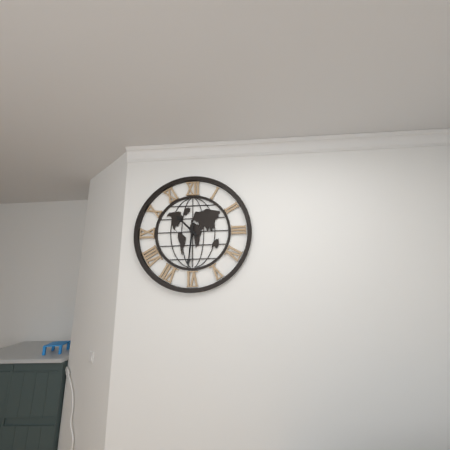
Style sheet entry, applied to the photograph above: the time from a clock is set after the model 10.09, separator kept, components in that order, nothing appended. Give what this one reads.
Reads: 10.31
